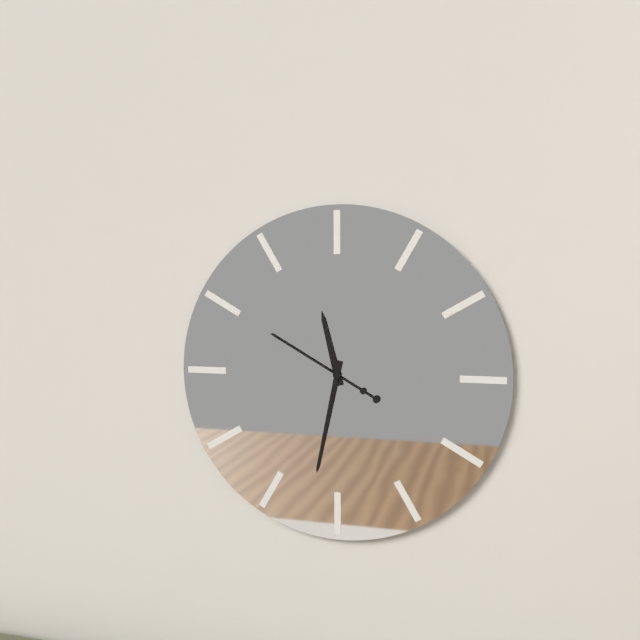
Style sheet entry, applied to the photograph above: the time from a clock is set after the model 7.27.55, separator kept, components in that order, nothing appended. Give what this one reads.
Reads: 11.32.50
